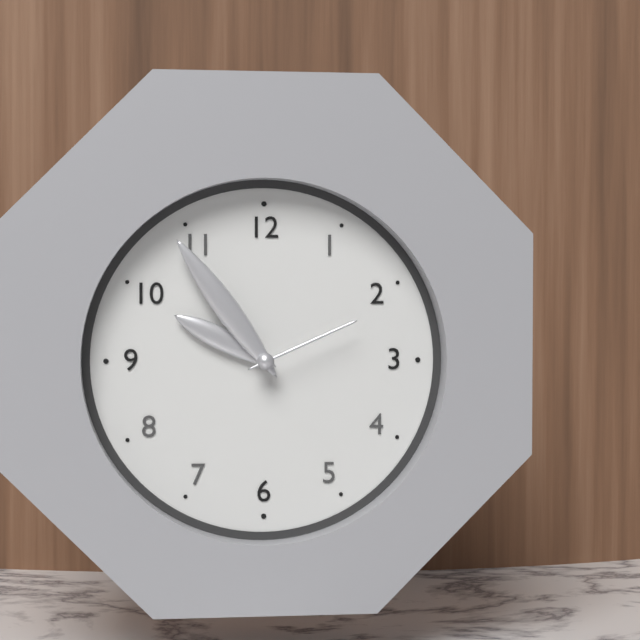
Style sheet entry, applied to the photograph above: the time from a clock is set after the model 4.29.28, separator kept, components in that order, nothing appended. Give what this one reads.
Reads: 9.54.11
